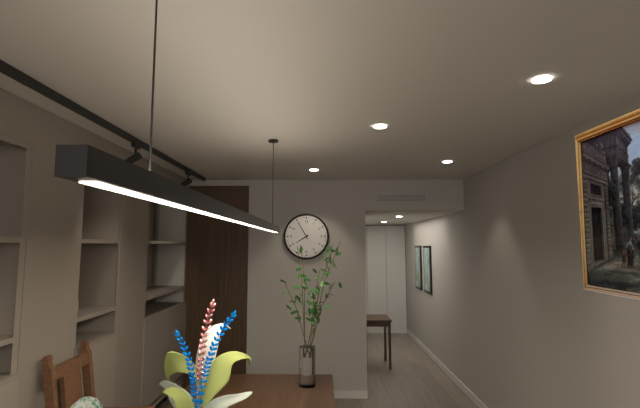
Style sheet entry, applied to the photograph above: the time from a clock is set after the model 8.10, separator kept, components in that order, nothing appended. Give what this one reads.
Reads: 7.55
